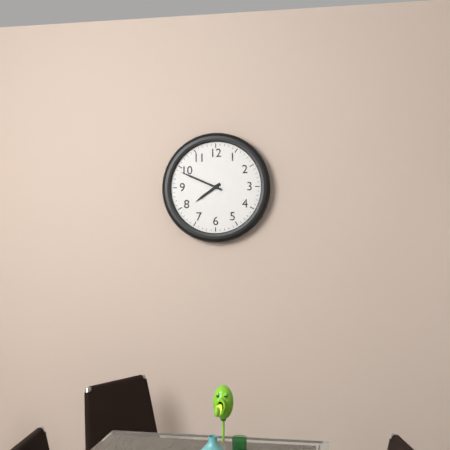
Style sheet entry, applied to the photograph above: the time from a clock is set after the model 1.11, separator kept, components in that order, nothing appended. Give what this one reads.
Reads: 7.49
